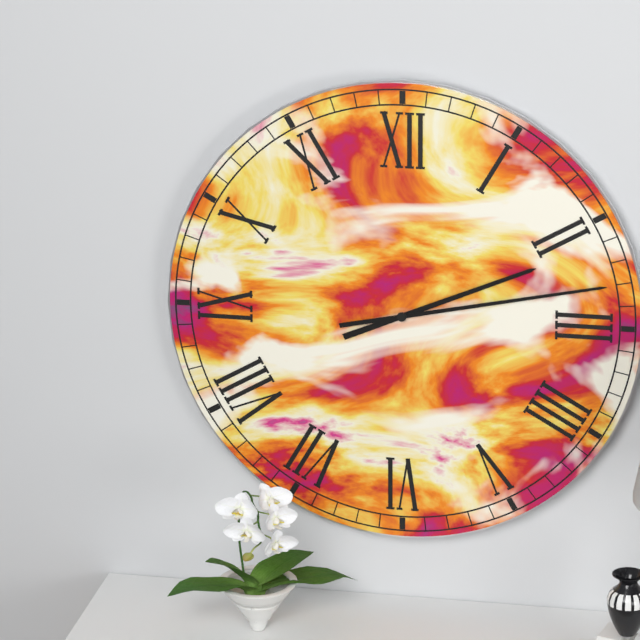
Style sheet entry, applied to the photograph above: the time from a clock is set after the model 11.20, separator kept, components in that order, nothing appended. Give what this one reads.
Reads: 2.13
